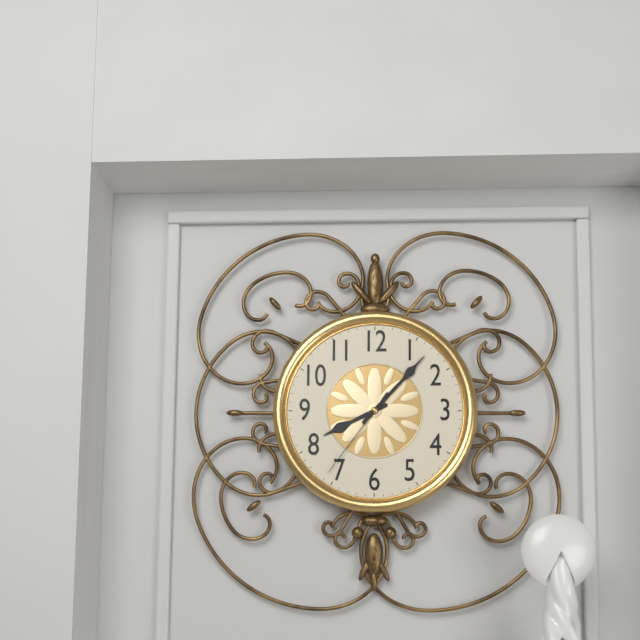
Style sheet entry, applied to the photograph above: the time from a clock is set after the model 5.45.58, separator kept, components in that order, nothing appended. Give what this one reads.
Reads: 8.07.36
